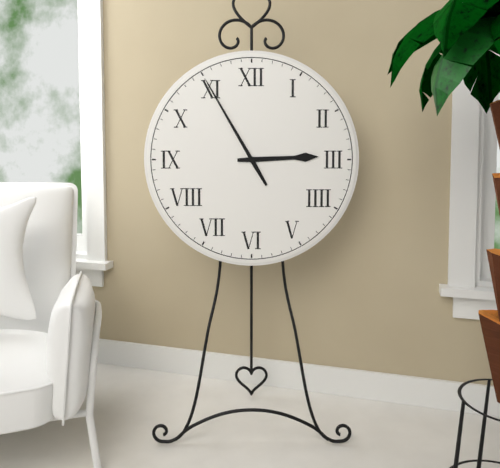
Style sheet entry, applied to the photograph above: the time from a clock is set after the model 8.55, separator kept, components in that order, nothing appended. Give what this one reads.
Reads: 2.55
